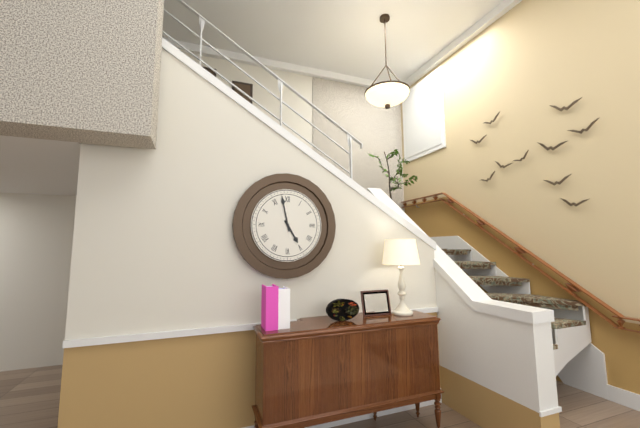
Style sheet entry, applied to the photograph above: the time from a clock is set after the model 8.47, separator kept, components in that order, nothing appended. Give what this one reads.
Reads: 4.58
